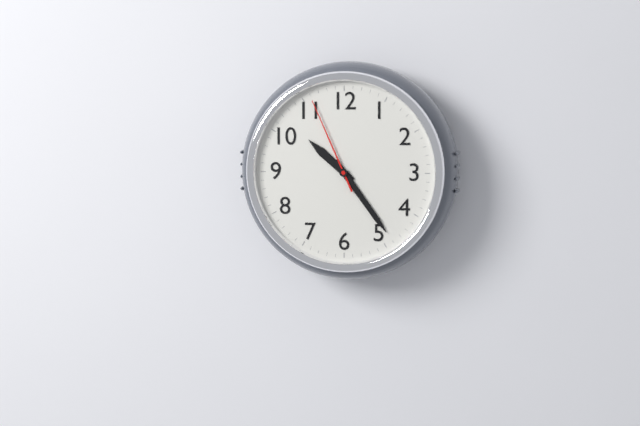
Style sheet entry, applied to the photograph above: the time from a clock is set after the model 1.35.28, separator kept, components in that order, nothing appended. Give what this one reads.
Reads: 10.24.56
